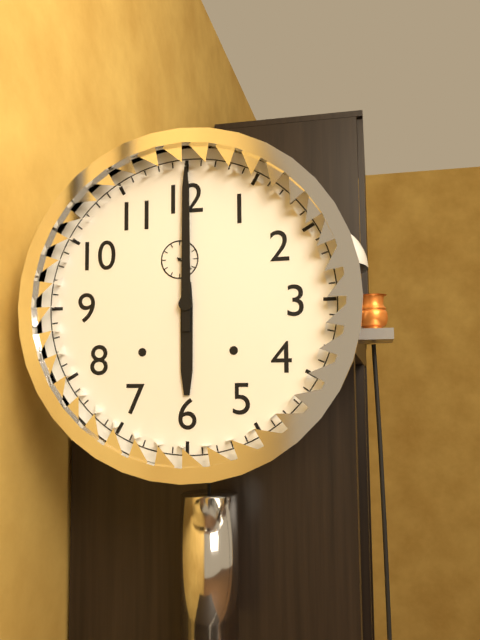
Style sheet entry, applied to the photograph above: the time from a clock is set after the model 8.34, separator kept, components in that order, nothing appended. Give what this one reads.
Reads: 6.00
